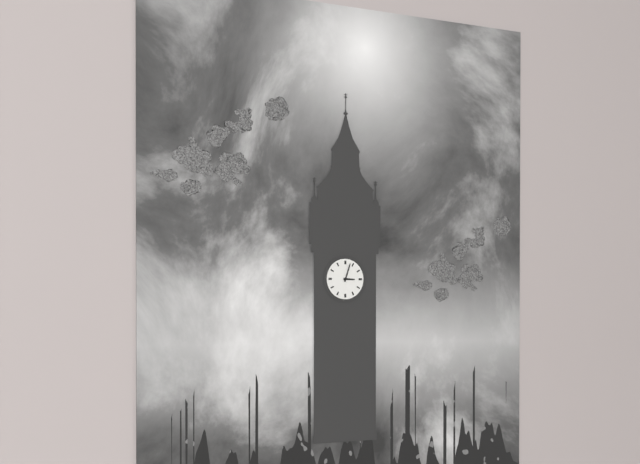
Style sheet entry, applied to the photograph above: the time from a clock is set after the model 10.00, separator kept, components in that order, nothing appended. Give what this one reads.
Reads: 3.03
